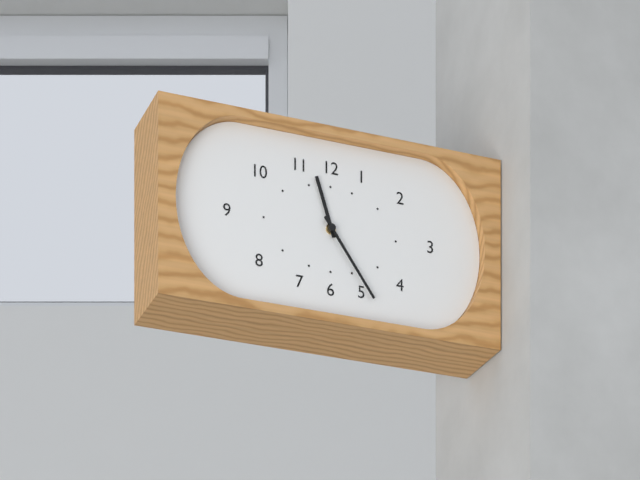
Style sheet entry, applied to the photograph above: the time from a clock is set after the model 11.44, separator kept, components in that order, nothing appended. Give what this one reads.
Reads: 11.24
